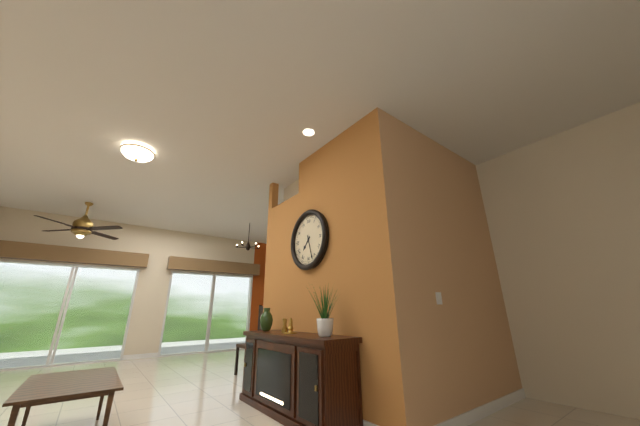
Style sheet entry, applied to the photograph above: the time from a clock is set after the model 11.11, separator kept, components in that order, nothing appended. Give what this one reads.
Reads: 7.27
